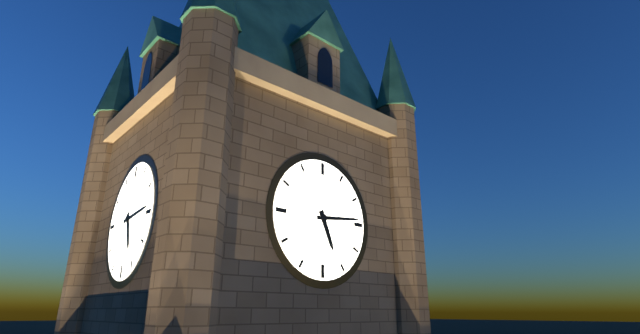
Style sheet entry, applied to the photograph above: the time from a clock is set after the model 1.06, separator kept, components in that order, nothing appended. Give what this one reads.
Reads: 5.14
